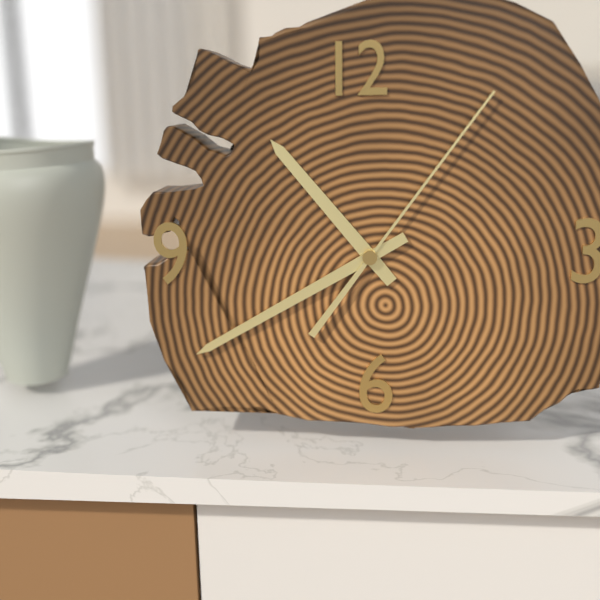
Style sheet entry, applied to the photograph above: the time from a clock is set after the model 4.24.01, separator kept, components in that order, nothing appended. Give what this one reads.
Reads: 10.40.06
